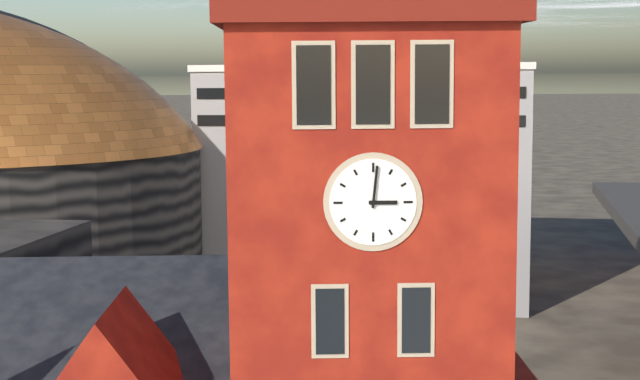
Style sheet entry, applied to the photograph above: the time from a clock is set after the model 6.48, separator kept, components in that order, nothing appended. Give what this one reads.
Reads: 3.01
